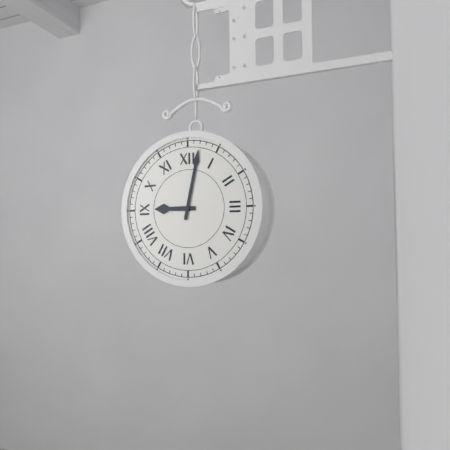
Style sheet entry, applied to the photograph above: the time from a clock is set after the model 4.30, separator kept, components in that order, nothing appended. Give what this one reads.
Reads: 9.02
